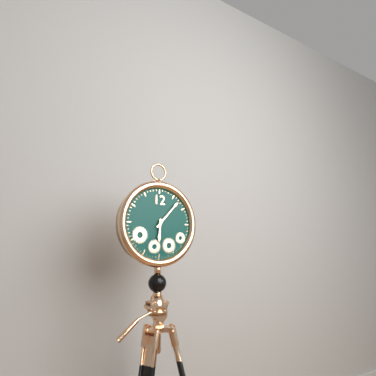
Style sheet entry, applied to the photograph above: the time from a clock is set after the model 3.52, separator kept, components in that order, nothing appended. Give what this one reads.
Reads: 6.07
